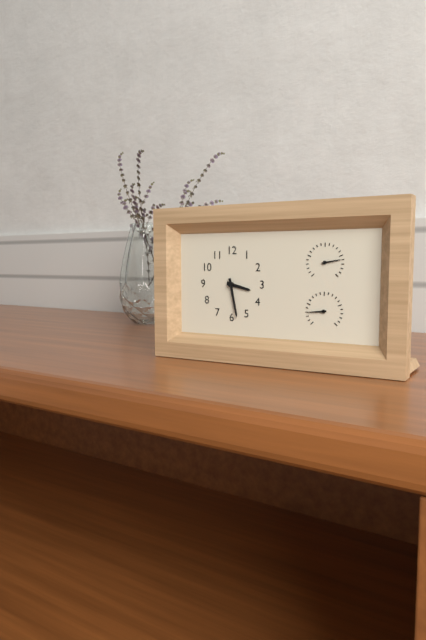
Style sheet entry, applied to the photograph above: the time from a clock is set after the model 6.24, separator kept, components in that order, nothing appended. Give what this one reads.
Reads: 3.28
